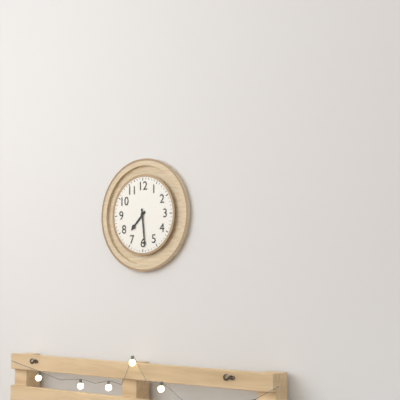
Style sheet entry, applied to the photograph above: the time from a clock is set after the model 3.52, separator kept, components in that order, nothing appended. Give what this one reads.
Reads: 7.29
